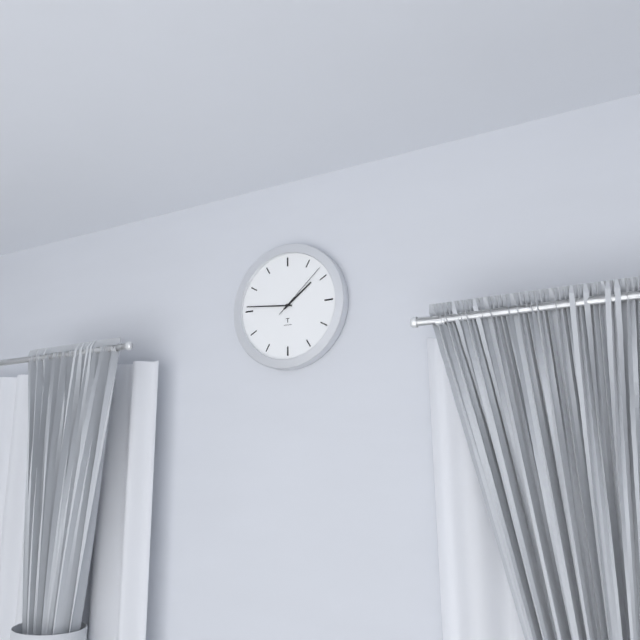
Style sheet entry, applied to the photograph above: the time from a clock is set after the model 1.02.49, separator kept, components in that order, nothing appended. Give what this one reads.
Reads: 1.46.08
